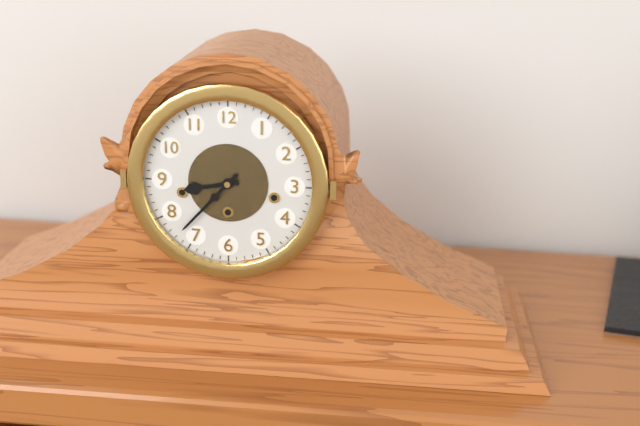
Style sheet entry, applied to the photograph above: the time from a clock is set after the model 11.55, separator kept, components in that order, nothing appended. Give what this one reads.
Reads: 8.37
